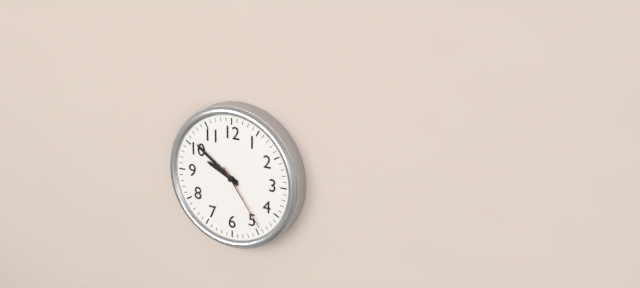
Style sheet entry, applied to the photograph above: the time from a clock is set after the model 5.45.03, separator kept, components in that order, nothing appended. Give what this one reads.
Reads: 9.51.24
